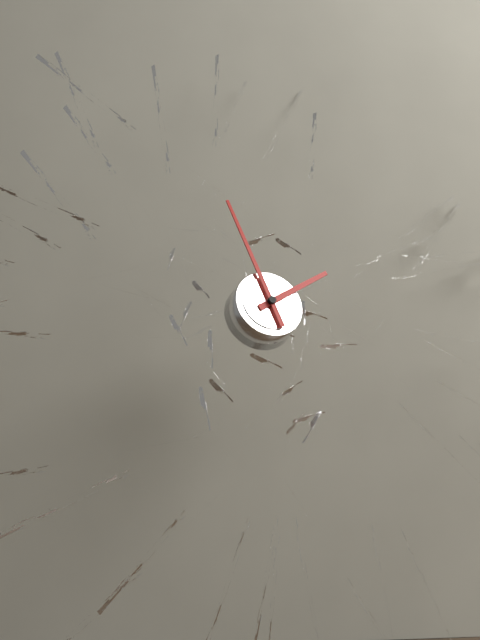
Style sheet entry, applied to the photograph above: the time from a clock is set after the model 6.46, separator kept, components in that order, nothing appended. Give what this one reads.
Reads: 1.57
